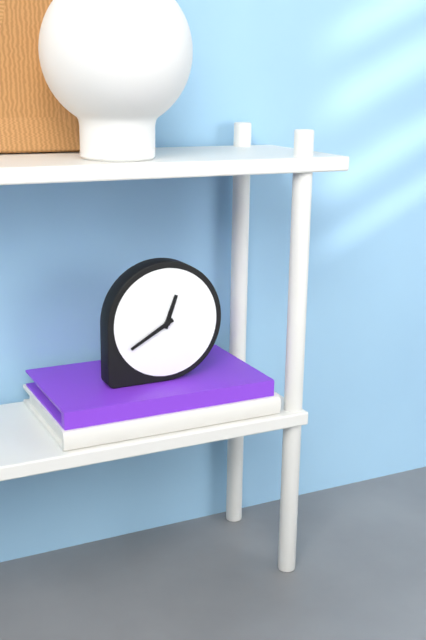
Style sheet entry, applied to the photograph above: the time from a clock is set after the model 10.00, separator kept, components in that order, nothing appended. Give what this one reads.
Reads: 12.40
